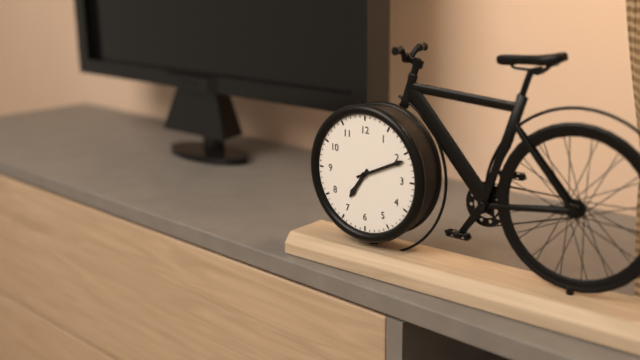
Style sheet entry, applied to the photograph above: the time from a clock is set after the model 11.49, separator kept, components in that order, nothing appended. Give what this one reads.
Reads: 7.11
